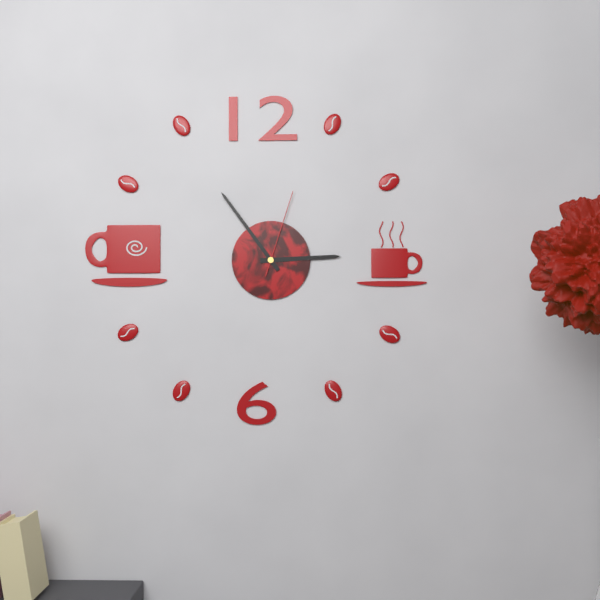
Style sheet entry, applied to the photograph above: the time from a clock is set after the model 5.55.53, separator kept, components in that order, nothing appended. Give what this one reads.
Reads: 2.54.03
